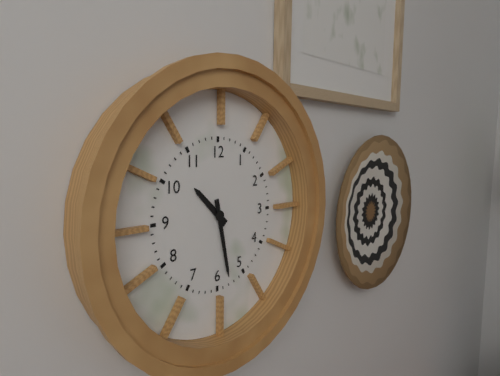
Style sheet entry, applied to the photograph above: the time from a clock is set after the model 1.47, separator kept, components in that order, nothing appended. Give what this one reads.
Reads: 10.28
